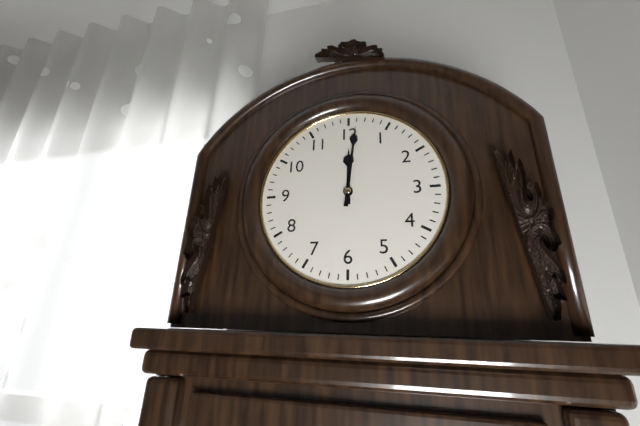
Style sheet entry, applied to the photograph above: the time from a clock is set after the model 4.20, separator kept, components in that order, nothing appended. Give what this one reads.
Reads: 12.01
